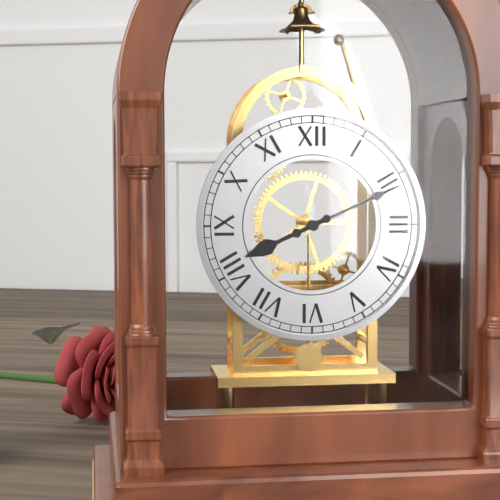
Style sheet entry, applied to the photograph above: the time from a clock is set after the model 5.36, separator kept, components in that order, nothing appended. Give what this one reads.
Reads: 8.11
